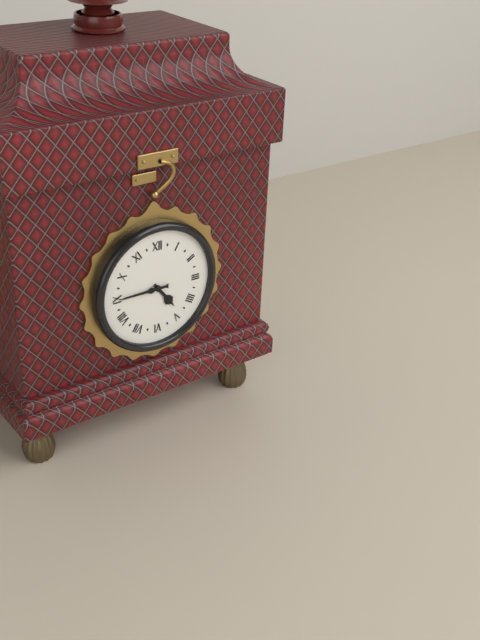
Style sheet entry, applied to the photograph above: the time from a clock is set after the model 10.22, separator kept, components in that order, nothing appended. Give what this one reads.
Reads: 4.45
